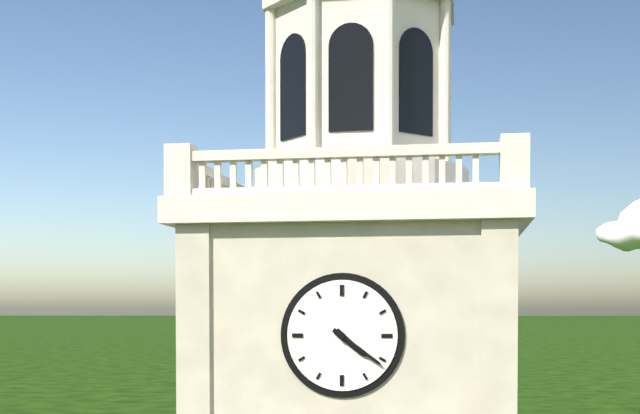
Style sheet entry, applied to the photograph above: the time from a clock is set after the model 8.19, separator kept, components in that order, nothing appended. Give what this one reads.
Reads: 4.21
